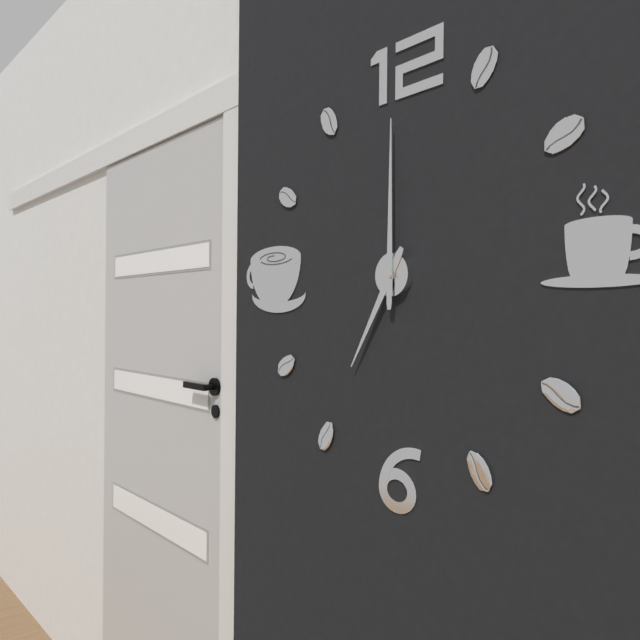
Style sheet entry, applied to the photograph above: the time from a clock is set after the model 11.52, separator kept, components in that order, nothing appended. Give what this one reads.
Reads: 7.00
